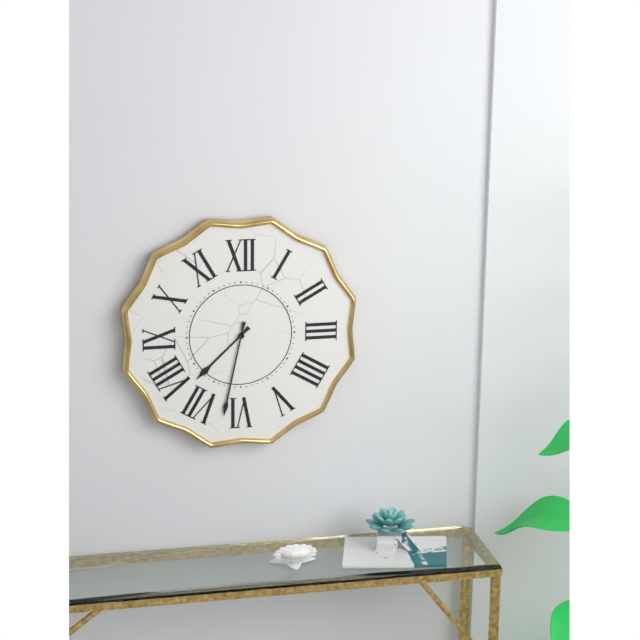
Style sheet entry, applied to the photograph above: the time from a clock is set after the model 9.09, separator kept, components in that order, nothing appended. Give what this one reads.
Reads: 7.32
